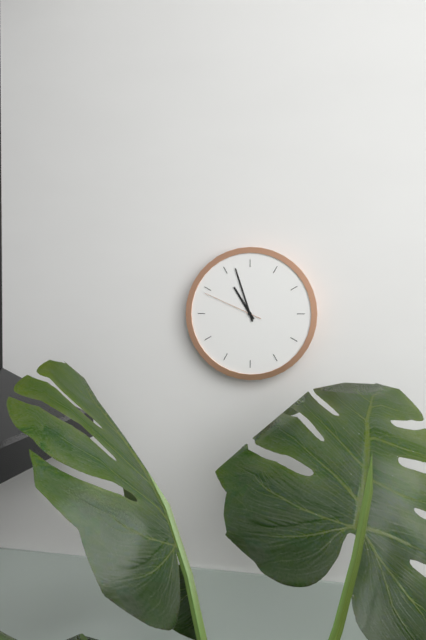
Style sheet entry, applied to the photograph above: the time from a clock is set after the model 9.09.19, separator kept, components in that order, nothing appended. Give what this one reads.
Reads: 10.57.49
